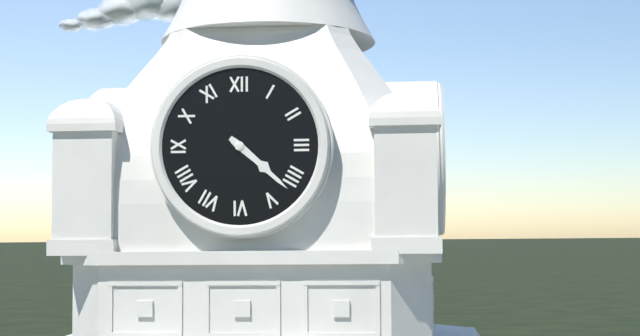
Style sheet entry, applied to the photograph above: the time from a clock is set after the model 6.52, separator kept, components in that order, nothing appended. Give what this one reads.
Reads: 4.22
